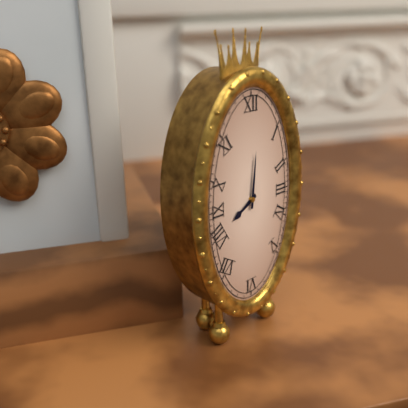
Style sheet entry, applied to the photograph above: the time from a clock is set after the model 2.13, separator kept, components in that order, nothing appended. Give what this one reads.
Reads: 8.01
